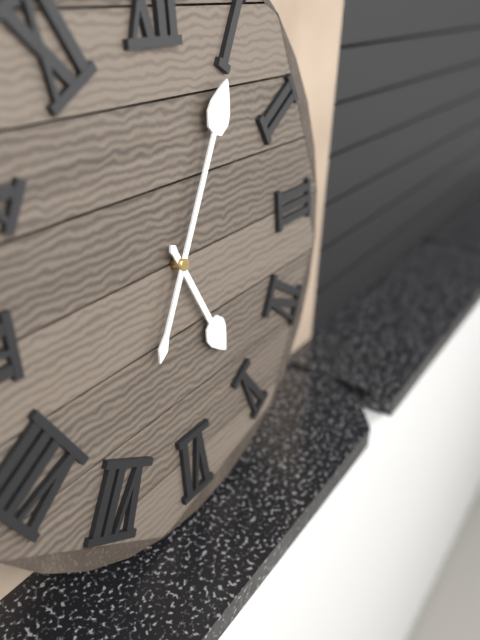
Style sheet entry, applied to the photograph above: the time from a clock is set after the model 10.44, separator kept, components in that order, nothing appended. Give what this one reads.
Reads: 5.05
